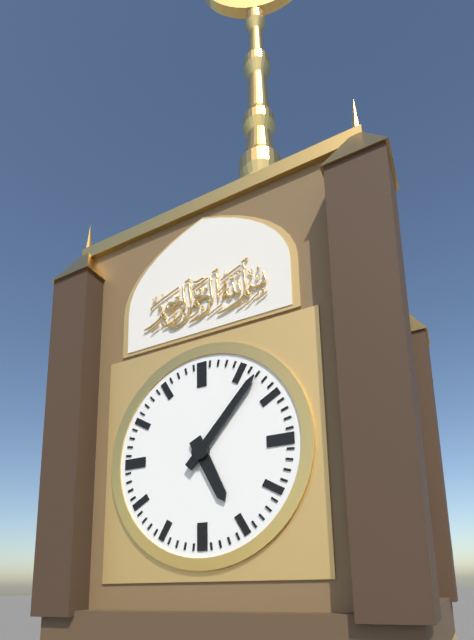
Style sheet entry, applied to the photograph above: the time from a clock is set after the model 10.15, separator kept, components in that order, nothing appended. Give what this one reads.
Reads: 5.07
